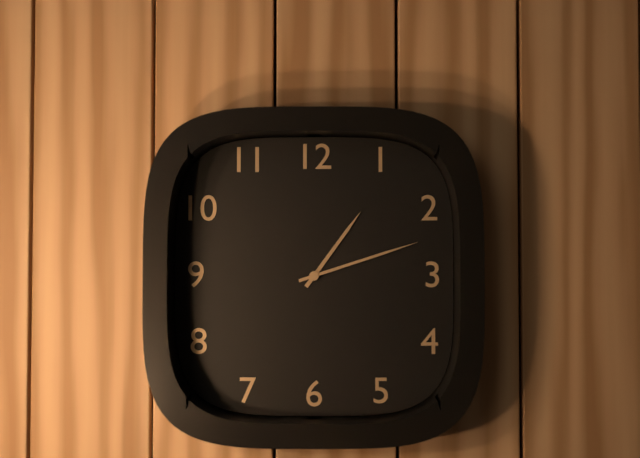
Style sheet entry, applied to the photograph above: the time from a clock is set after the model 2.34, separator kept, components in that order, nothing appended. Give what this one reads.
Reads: 1.12
